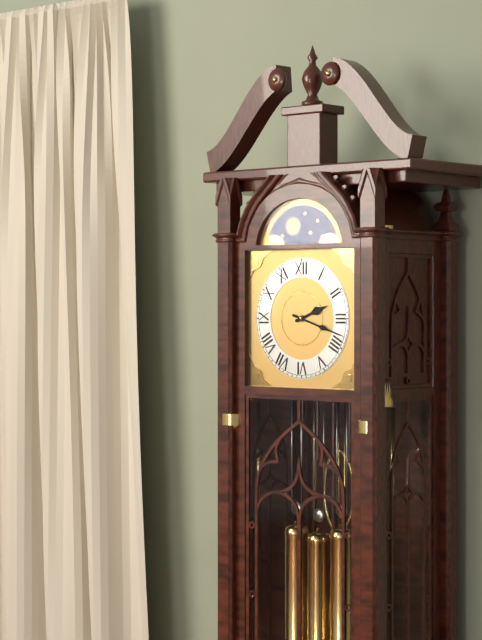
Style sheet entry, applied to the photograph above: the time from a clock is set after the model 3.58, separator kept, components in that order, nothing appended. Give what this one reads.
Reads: 2.18
